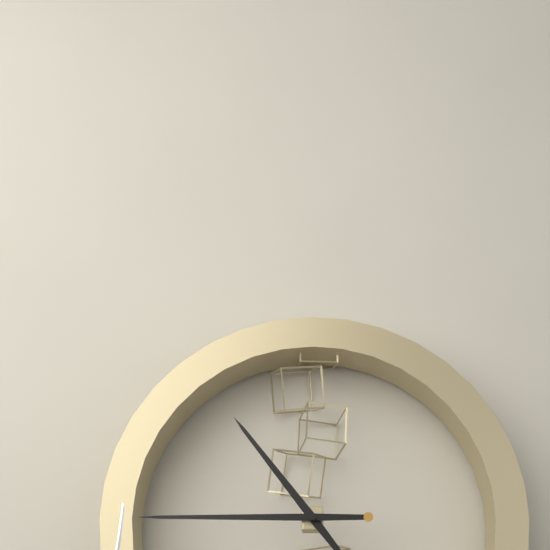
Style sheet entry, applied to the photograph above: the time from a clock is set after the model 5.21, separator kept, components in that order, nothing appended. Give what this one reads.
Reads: 10.45
